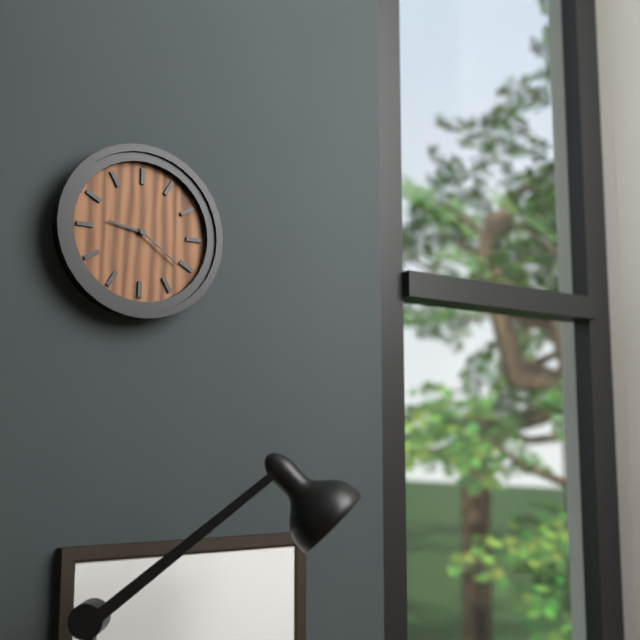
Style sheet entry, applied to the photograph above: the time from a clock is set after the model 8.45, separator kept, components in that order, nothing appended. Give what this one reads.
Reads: 9.21
